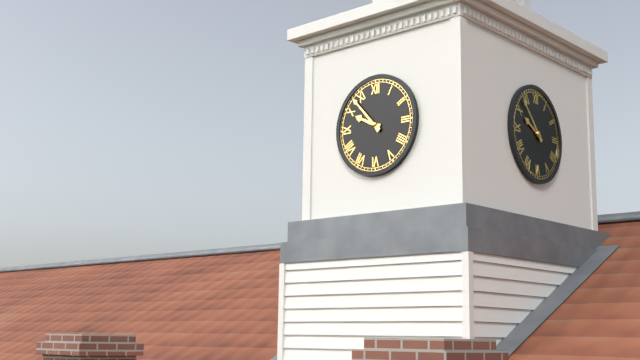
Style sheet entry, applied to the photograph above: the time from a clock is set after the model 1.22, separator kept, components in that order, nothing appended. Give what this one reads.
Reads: 9.53
